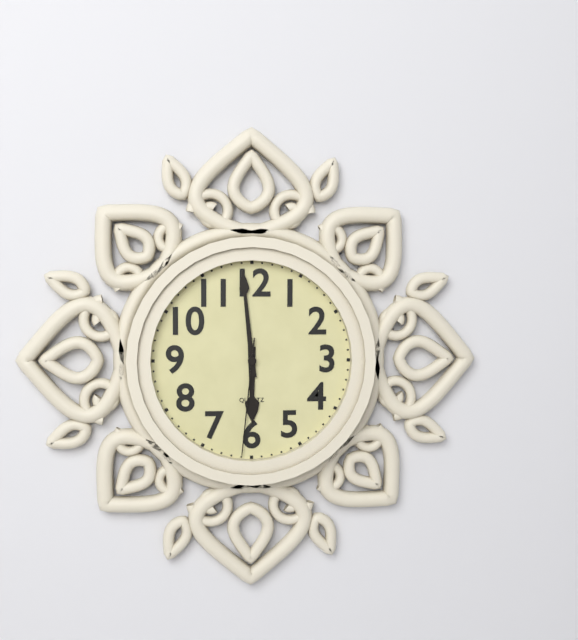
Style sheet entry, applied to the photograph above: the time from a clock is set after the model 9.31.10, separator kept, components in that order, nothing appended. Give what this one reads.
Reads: 5.59.31
